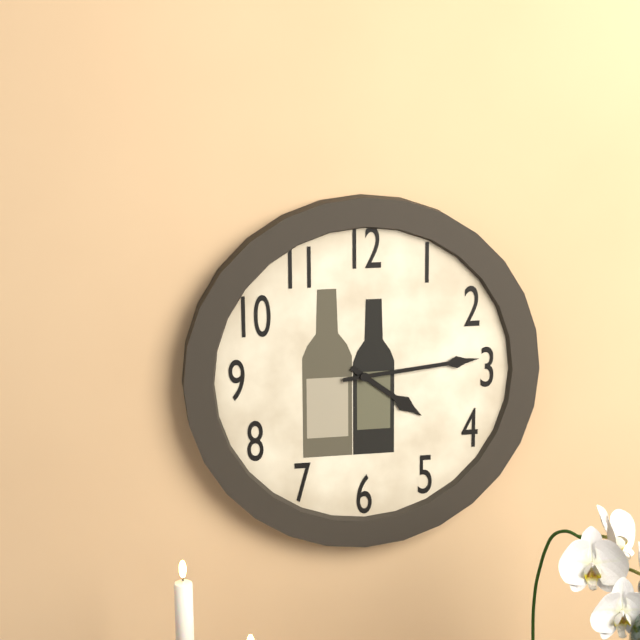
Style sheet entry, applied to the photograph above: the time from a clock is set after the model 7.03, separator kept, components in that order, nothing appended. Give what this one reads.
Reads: 4.14
